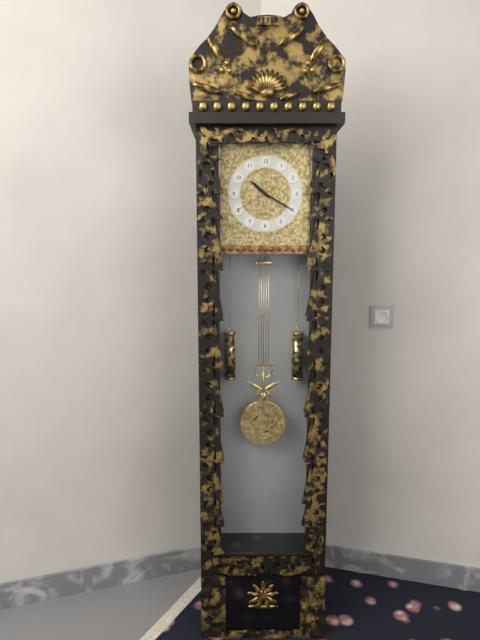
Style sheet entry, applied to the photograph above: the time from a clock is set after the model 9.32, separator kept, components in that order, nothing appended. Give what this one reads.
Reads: 10.20
